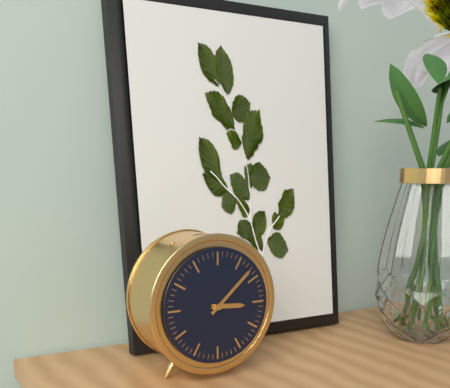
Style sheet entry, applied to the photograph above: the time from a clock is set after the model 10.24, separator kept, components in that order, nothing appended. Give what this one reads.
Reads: 3.08
